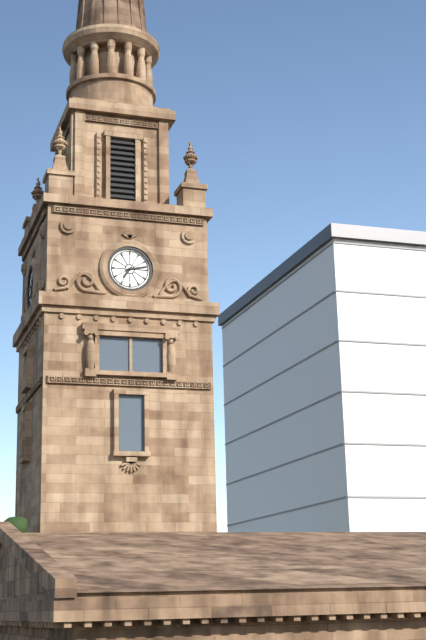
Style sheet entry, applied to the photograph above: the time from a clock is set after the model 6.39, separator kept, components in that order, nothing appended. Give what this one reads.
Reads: 7.13
